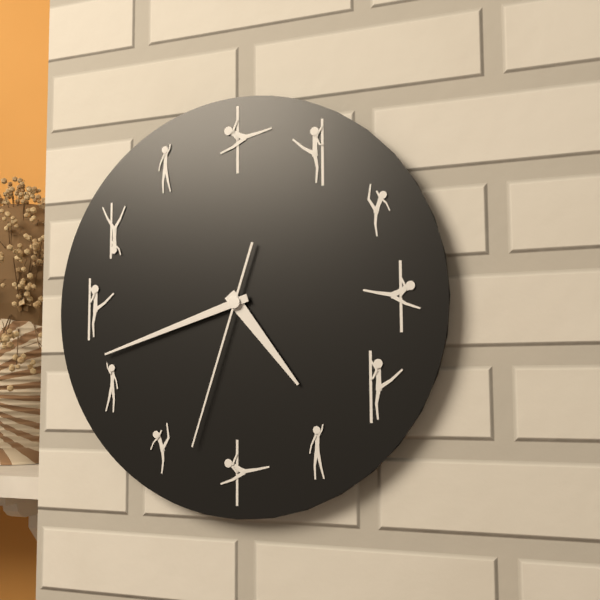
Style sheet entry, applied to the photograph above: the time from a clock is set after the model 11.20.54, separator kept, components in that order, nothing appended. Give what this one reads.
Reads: 4.42.33
